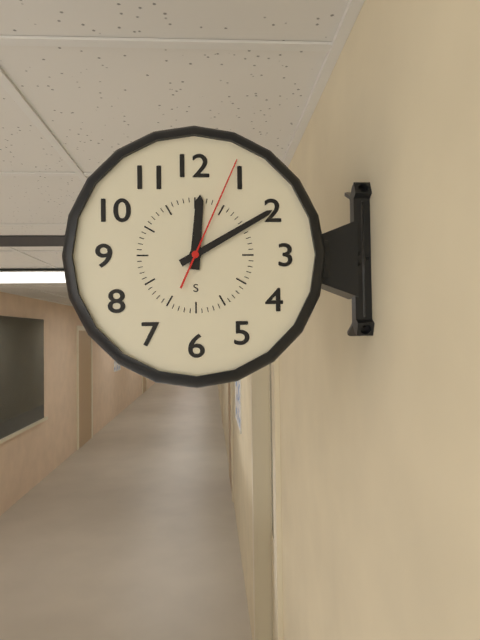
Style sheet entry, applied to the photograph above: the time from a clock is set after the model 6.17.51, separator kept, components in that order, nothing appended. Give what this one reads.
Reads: 12.10.04
